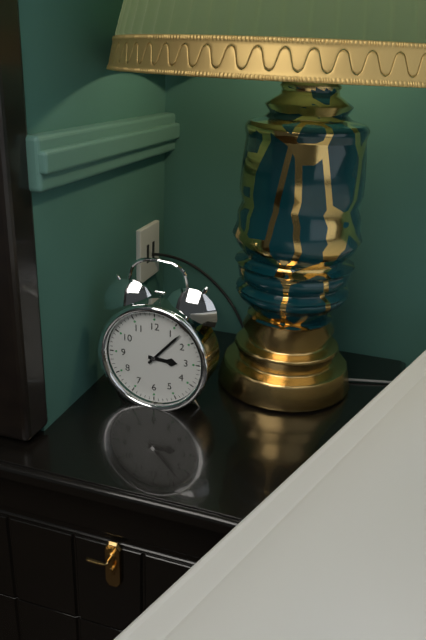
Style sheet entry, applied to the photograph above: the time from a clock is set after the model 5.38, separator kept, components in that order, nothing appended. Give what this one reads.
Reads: 3.07
